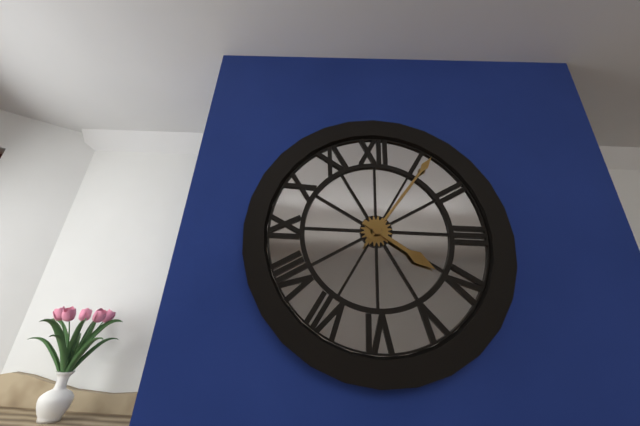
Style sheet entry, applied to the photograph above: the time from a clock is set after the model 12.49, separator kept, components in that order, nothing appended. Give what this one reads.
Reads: 4.06
